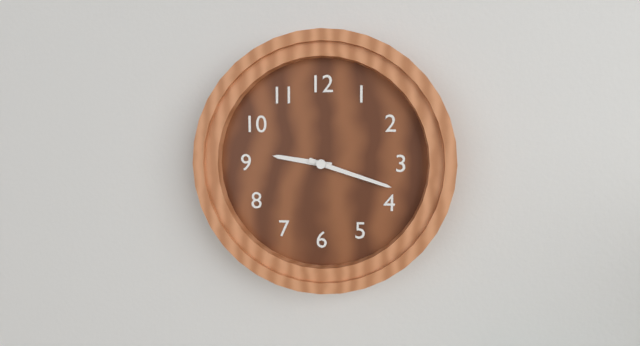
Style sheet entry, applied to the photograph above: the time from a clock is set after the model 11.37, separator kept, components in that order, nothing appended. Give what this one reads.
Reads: 9.18
